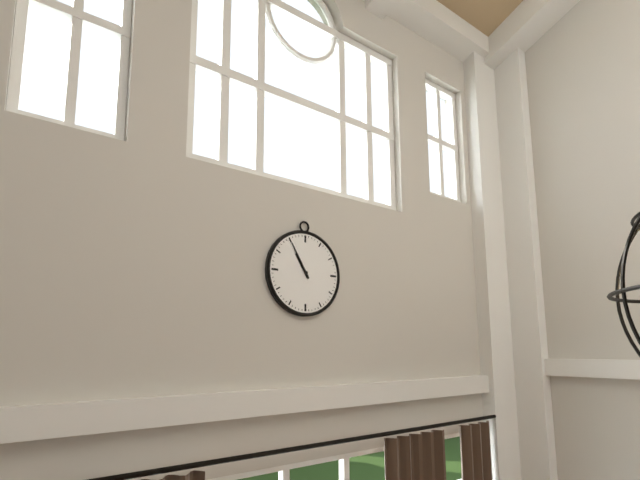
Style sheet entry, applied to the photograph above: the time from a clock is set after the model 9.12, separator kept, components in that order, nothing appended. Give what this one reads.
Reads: 10.55
